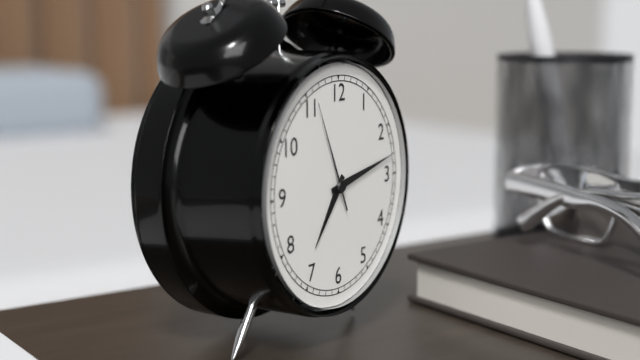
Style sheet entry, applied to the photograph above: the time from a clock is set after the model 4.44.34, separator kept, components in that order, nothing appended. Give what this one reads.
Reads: 7.13.56
